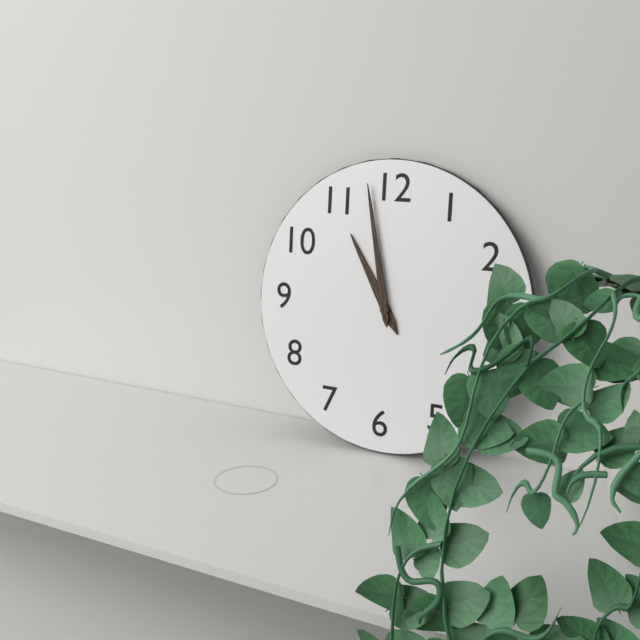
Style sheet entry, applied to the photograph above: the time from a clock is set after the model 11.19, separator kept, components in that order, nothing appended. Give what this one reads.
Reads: 10.58
